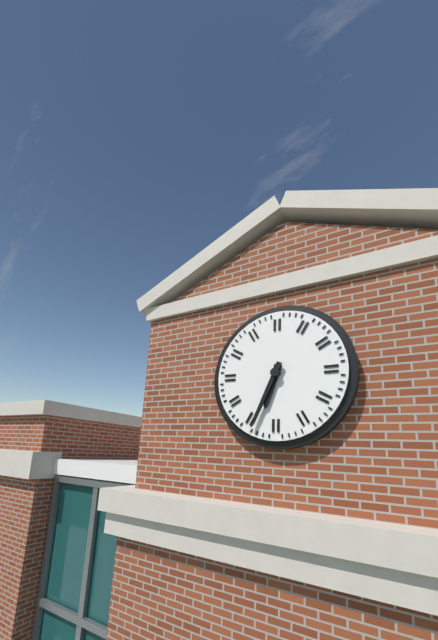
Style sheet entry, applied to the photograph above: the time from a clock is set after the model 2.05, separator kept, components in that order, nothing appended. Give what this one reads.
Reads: 6.34
